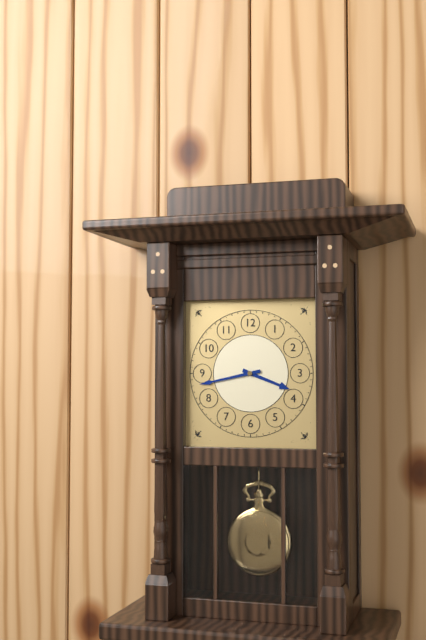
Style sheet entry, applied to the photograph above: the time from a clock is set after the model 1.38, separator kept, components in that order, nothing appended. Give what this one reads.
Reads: 3.43
